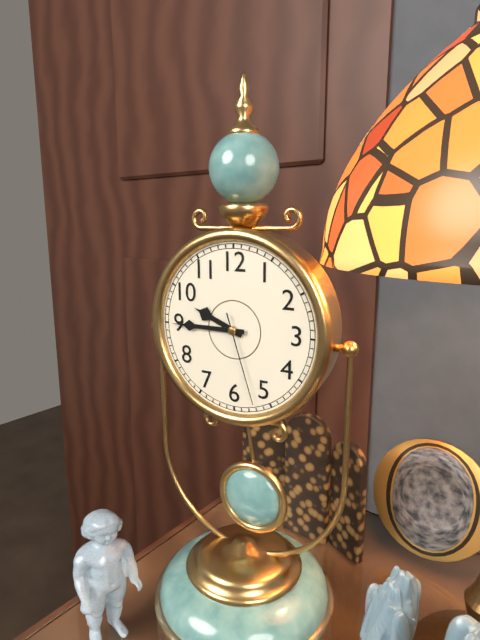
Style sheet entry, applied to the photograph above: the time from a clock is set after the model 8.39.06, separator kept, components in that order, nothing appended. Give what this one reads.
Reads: 9.45.27
